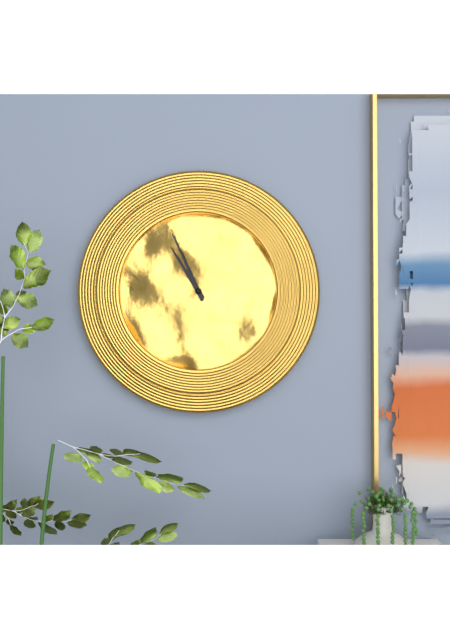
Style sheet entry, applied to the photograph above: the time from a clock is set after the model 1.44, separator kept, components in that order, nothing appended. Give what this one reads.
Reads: 10.56
